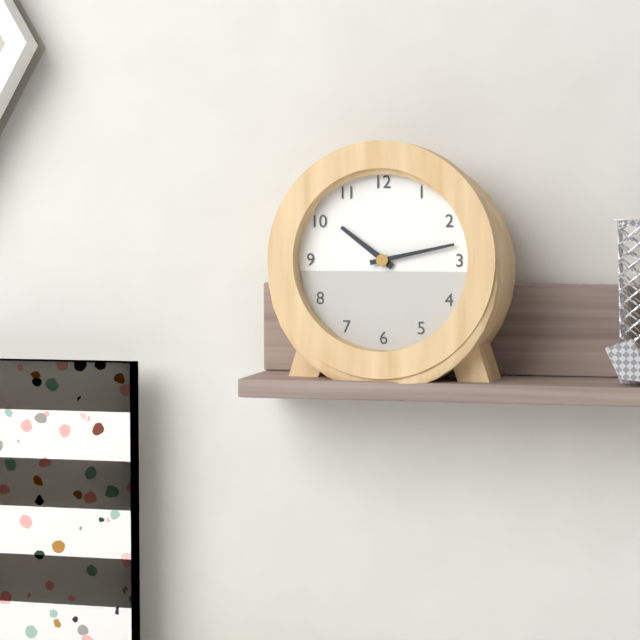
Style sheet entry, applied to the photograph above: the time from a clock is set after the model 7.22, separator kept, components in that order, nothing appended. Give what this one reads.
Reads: 10.13
